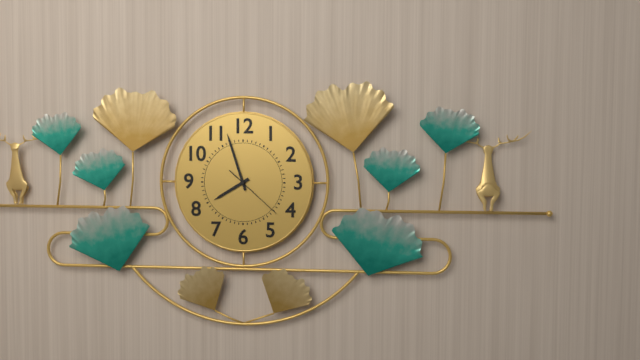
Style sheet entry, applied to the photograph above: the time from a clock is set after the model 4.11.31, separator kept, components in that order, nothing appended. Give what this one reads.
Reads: 7.57.22
